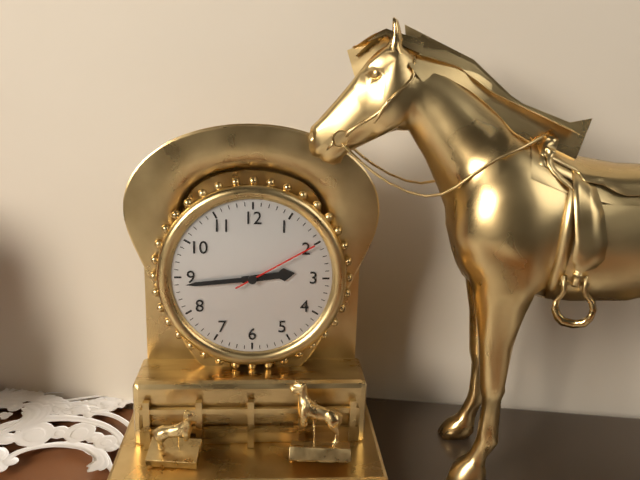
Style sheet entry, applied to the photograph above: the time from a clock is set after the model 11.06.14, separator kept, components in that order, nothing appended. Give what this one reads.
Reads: 2.44.10
